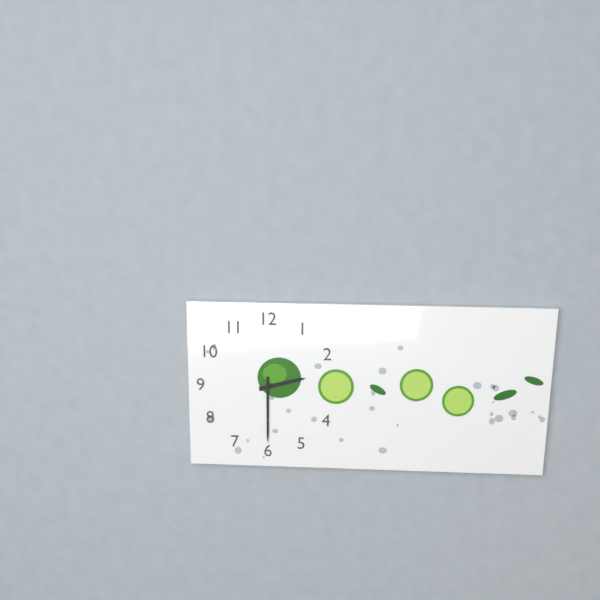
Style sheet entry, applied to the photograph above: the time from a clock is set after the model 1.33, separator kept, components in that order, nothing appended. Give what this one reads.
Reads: 2.30
